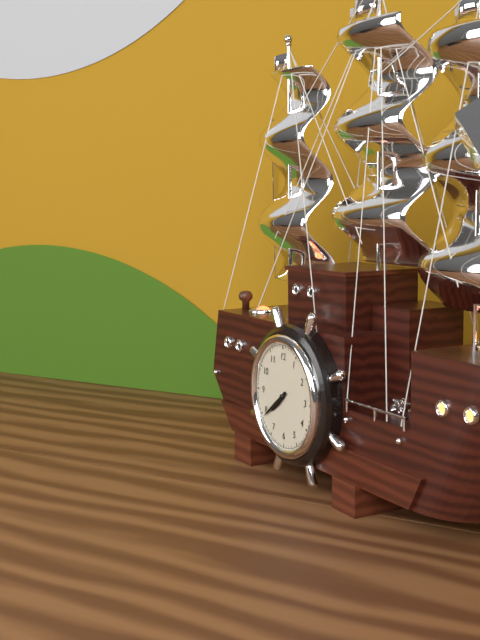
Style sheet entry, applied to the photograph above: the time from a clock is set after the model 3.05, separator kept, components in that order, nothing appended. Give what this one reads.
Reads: 7.39
